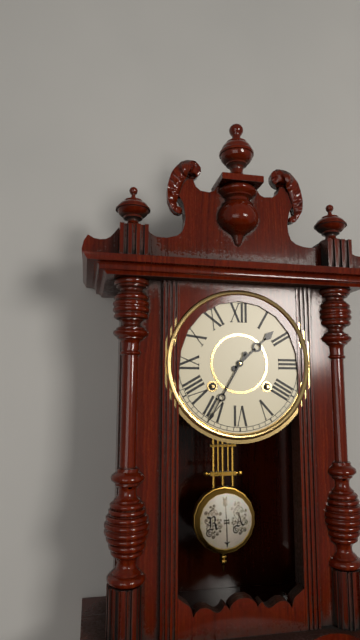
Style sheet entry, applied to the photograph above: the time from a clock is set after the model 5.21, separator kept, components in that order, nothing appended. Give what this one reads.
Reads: 1.35
